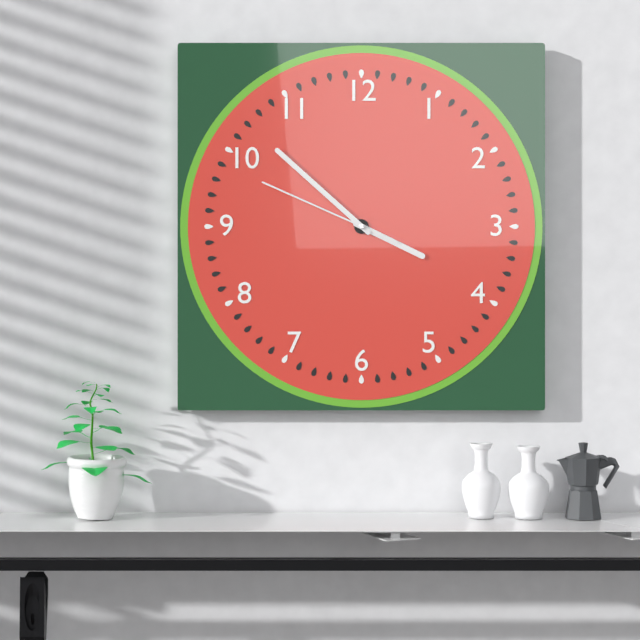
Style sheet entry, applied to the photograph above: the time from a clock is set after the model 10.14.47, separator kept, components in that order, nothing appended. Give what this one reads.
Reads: 3.52.49
